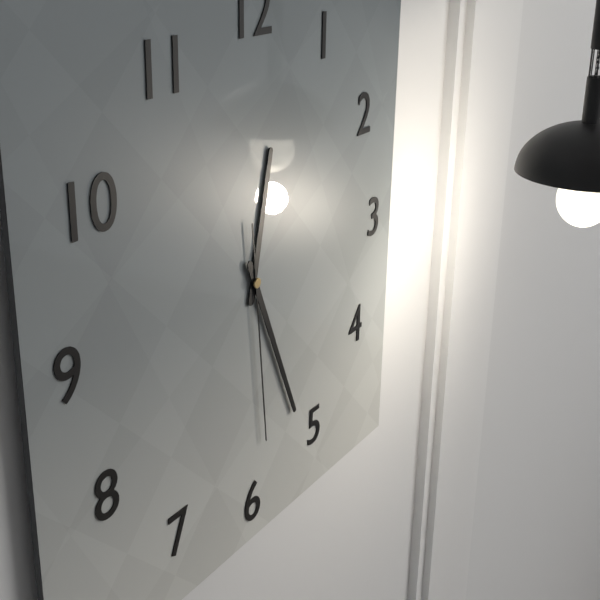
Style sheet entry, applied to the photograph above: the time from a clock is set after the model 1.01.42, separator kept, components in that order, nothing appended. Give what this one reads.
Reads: 12.26.29
